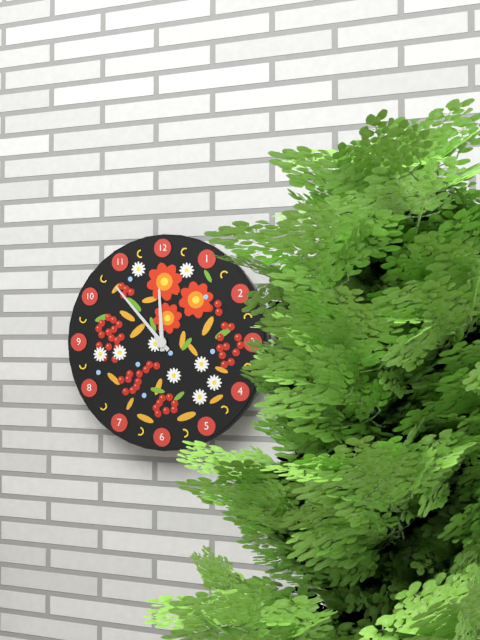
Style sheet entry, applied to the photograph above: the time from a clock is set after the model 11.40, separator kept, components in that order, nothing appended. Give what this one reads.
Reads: 11.53
